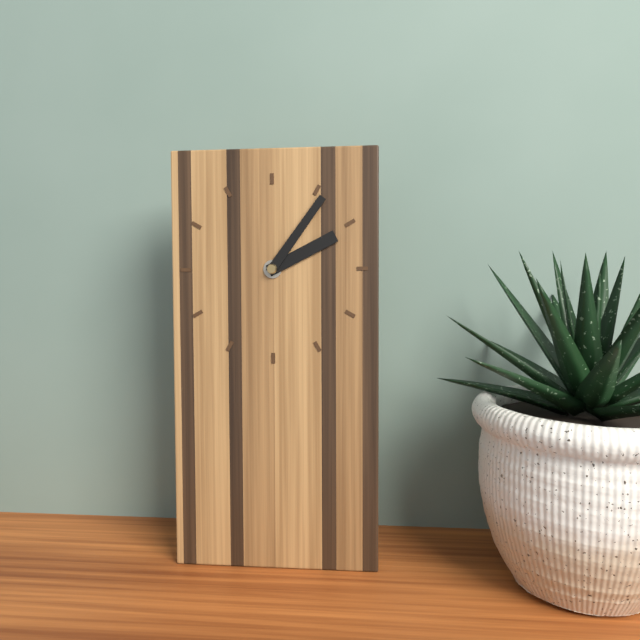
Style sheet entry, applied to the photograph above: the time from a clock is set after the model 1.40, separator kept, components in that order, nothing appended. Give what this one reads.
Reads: 2.06
